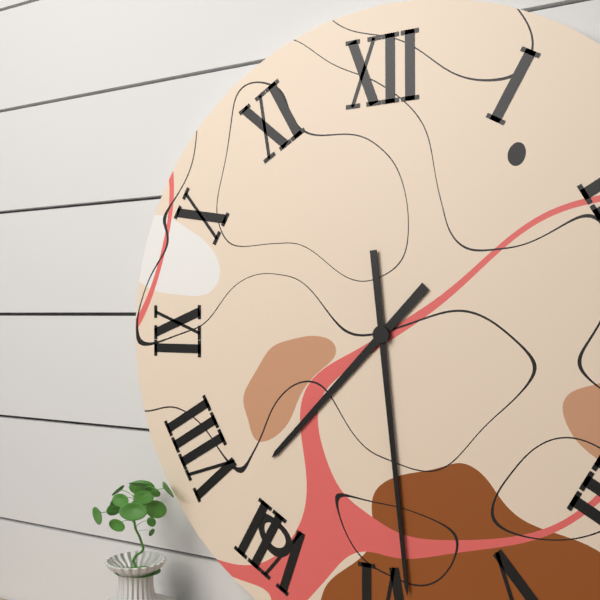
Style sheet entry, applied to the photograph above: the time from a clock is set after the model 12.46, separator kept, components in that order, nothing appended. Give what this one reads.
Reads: 7.29
